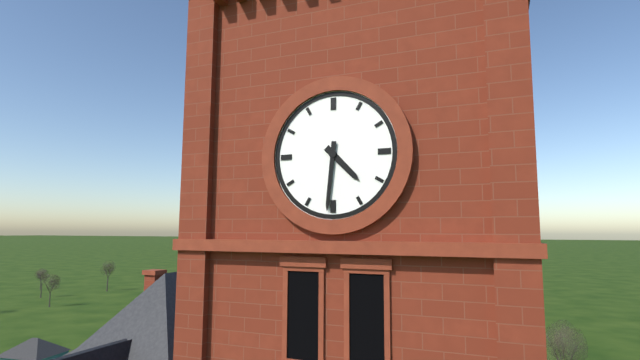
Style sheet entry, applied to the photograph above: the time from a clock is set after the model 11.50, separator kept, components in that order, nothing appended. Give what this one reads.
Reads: 4.31
